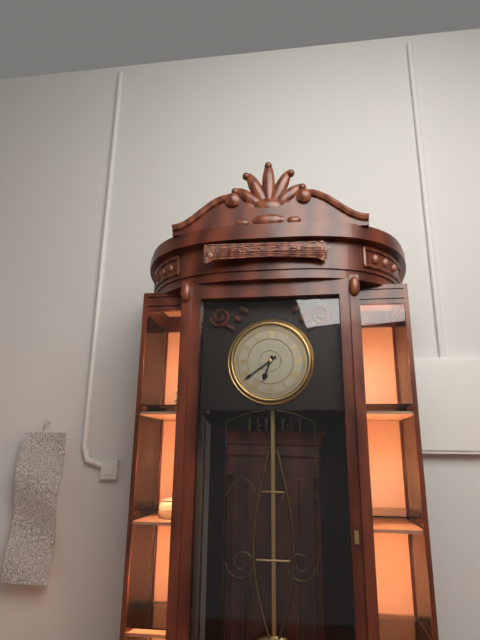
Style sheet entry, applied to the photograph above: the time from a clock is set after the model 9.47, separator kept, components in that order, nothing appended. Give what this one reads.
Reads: 6.39
